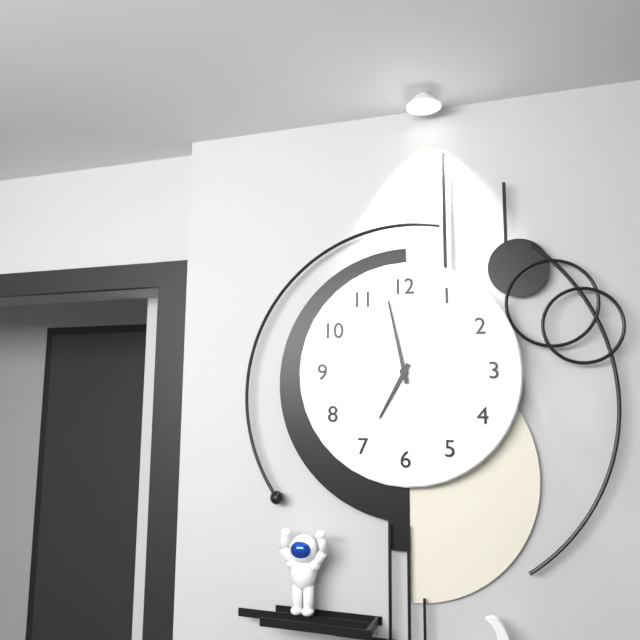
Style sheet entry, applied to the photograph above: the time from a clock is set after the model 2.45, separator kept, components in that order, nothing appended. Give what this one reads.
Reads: 6.58
